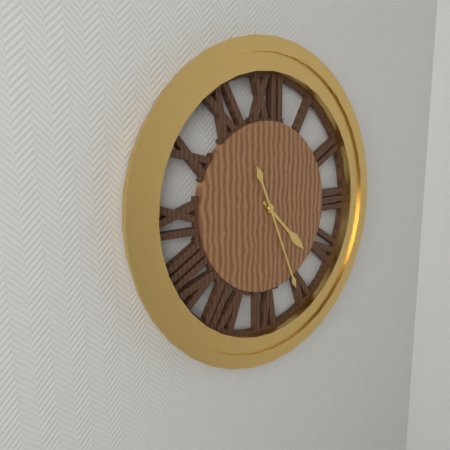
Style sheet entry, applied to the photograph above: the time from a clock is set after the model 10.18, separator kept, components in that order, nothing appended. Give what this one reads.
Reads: 4.26
